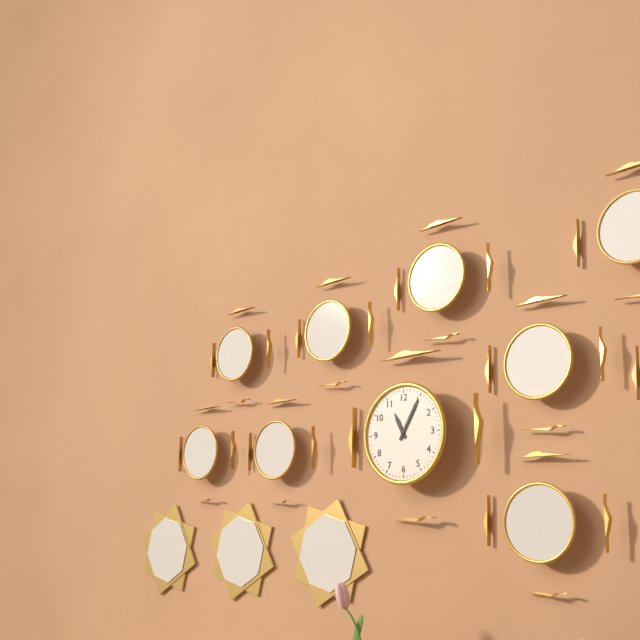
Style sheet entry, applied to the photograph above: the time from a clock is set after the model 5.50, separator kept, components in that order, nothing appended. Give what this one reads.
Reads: 11.05
